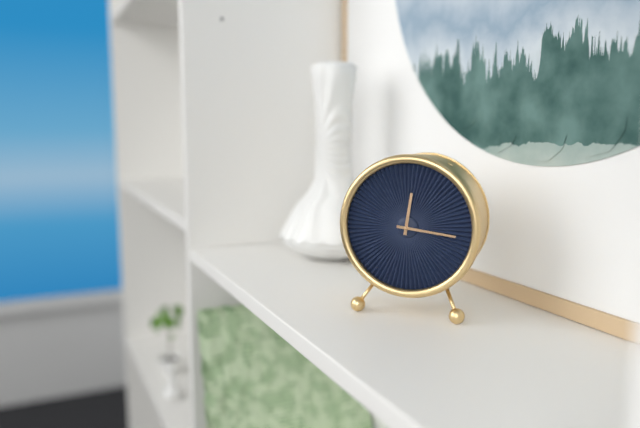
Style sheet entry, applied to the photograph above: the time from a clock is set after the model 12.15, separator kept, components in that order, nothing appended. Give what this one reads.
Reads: 12.16
